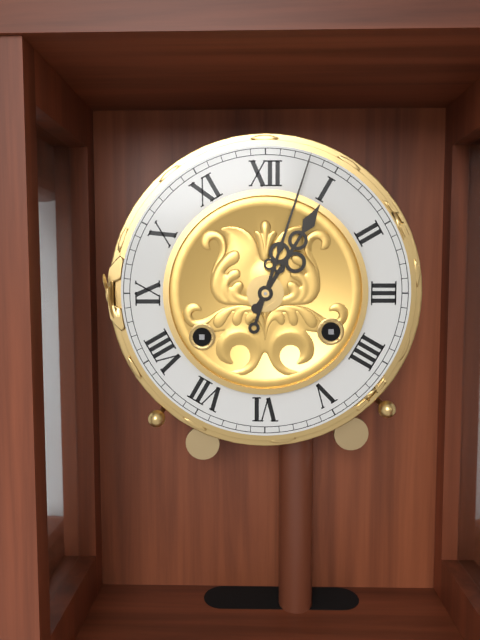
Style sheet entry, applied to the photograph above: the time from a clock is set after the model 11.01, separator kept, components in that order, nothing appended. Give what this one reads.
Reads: 1.03
